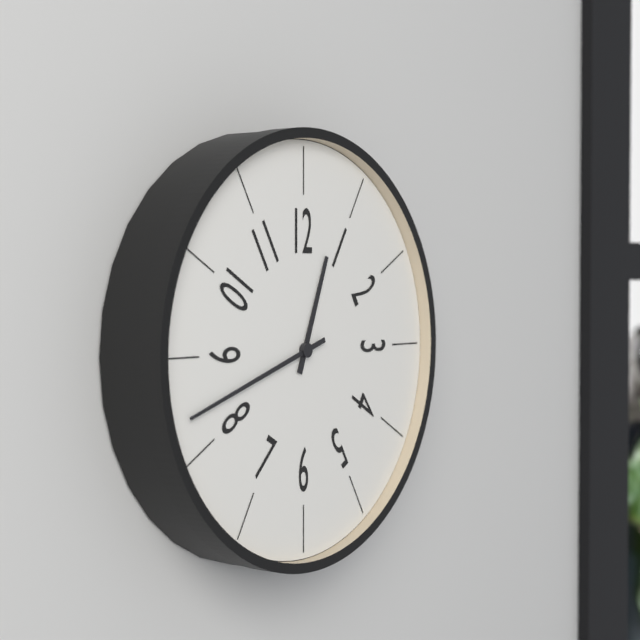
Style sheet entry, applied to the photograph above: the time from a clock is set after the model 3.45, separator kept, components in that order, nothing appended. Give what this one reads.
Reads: 12.42
